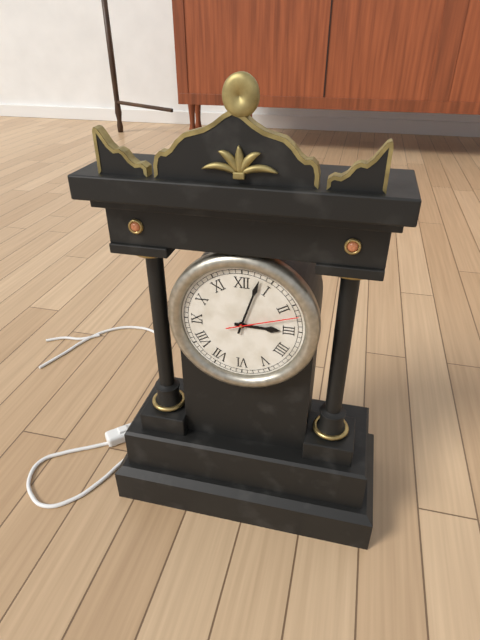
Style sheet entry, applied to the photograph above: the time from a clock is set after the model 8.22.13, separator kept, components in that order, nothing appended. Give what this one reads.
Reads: 3.03.12
